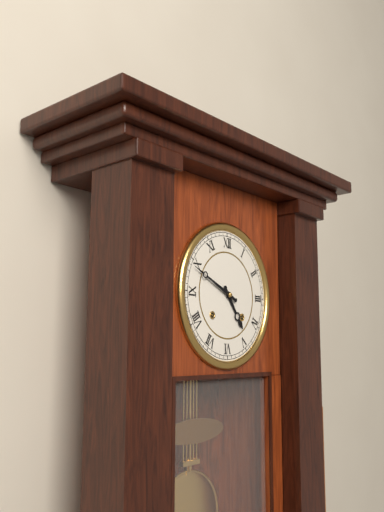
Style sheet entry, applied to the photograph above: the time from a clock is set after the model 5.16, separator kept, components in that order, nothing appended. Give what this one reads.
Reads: 4.49
